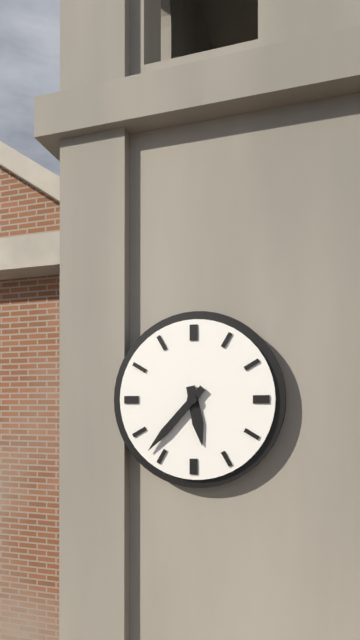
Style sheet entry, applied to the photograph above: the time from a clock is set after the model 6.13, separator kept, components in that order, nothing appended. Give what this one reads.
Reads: 5.37
